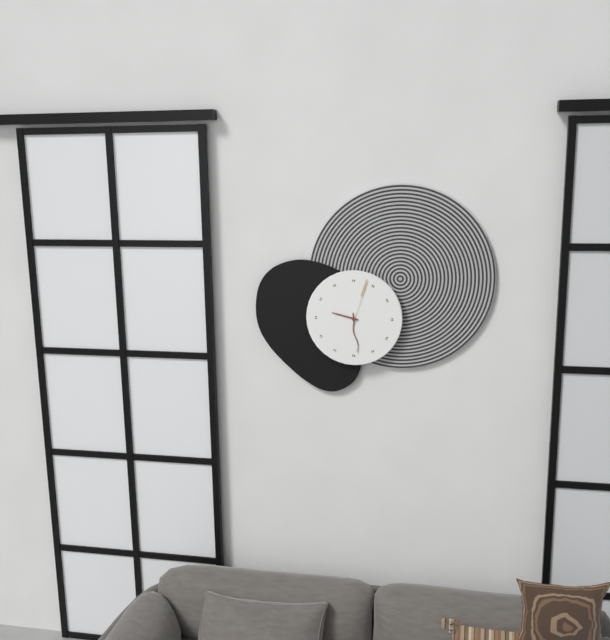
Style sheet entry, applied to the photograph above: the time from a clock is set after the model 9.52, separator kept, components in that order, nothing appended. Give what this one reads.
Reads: 9.29
